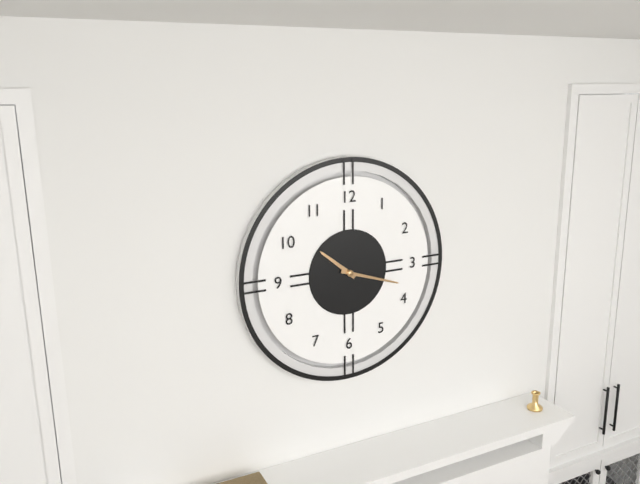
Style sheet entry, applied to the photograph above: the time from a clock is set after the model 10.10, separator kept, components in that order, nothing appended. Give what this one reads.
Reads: 10.18
